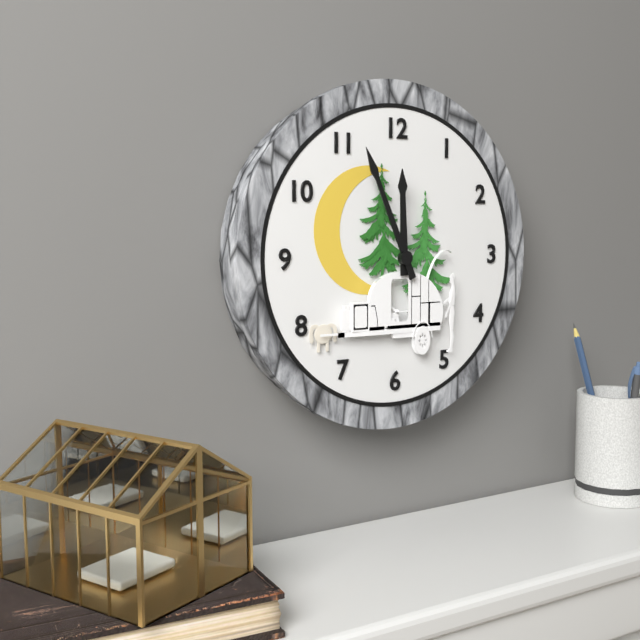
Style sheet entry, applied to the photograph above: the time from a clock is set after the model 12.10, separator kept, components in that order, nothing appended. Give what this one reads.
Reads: 11.56
